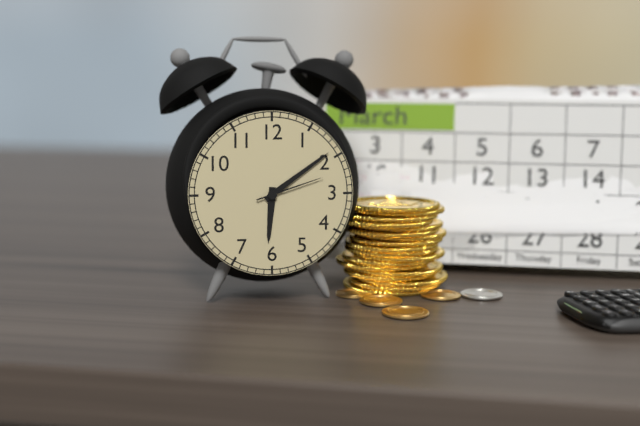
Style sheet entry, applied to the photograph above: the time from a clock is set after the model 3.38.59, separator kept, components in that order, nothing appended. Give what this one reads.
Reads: 6.09.12
